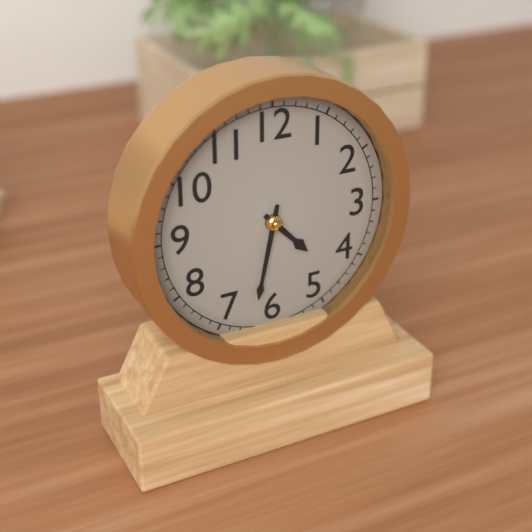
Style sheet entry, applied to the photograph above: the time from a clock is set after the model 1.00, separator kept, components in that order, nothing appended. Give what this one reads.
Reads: 4.32
